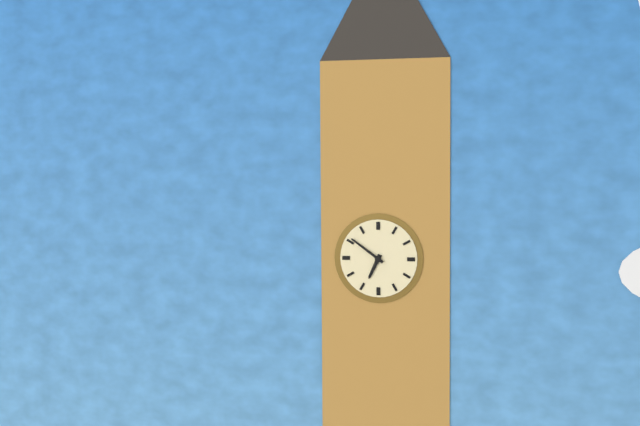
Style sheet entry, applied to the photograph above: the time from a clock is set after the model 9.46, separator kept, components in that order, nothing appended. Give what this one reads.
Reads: 6.51
